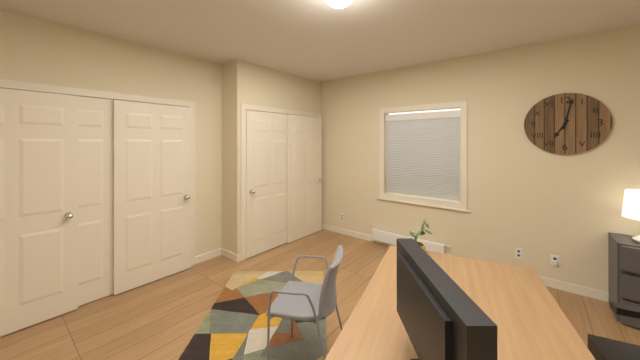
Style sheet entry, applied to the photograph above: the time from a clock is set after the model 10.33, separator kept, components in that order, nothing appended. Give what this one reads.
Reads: 7.02
